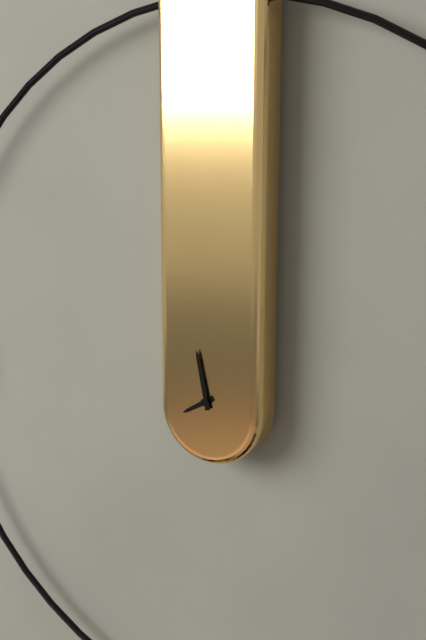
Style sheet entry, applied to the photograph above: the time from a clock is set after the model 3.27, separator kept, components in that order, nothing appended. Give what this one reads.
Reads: 7.58
